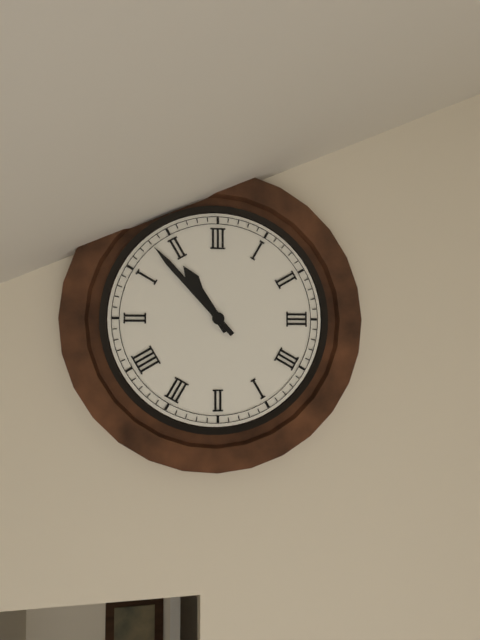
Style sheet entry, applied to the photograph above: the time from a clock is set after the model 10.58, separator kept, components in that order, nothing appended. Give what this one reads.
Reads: 10.53
